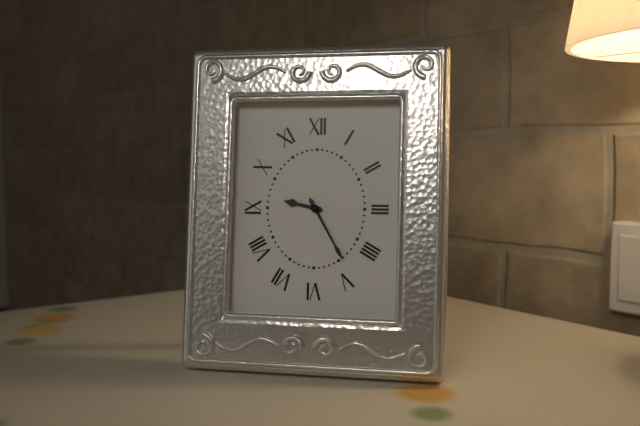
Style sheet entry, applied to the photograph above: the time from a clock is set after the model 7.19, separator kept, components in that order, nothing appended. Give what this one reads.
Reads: 9.25
